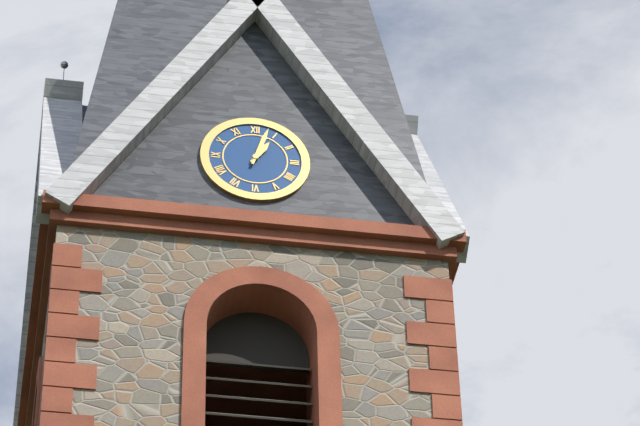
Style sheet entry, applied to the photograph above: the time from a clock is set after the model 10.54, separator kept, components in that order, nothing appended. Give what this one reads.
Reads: 1.03
